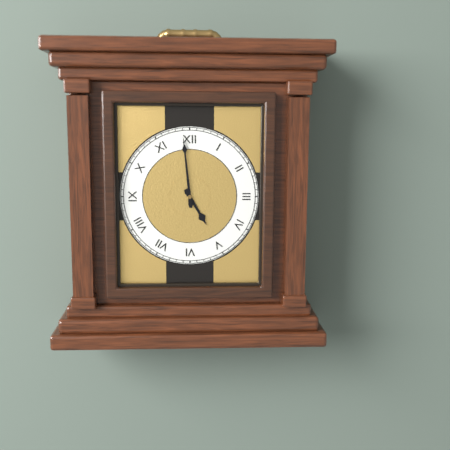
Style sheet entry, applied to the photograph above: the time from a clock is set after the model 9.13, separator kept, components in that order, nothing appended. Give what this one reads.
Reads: 4.59
